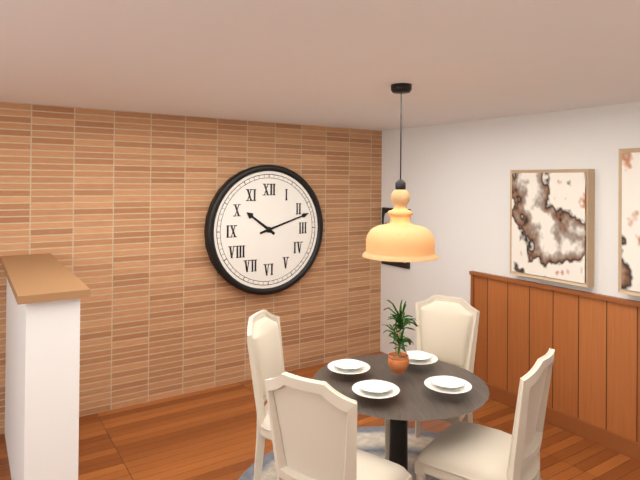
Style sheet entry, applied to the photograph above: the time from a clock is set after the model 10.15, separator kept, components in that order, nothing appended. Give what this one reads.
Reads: 10.12
